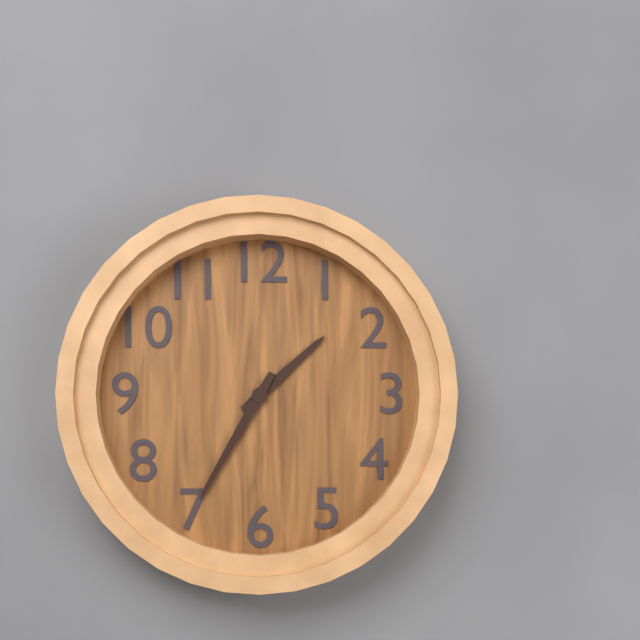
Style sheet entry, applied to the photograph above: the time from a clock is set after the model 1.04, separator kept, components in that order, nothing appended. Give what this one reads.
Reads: 1.35
